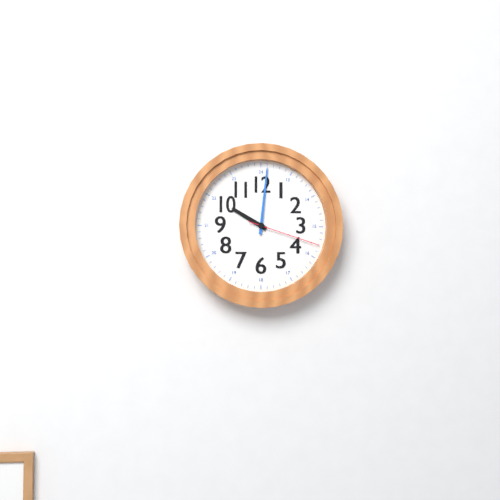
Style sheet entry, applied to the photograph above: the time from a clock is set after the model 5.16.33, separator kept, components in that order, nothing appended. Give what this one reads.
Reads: 10.01.18
